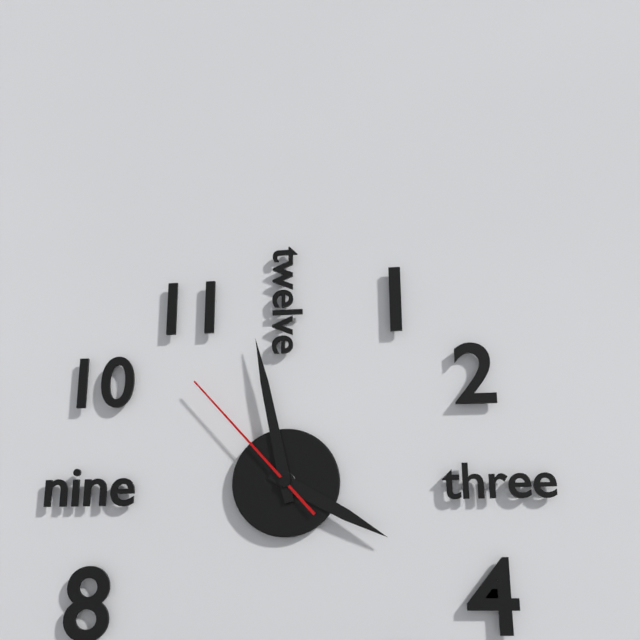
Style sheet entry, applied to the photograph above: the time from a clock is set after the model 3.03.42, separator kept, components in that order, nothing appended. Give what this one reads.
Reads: 3.58.53
